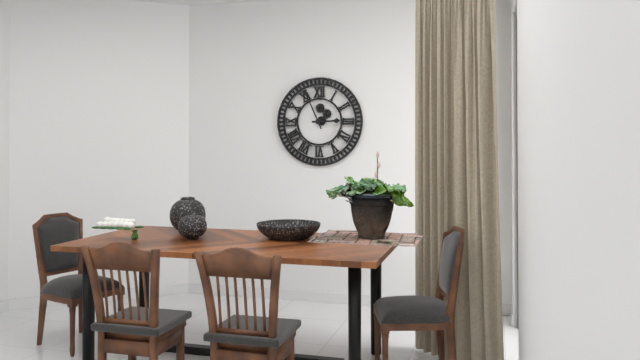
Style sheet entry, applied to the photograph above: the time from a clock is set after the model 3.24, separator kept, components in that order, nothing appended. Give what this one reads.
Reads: 2.56
